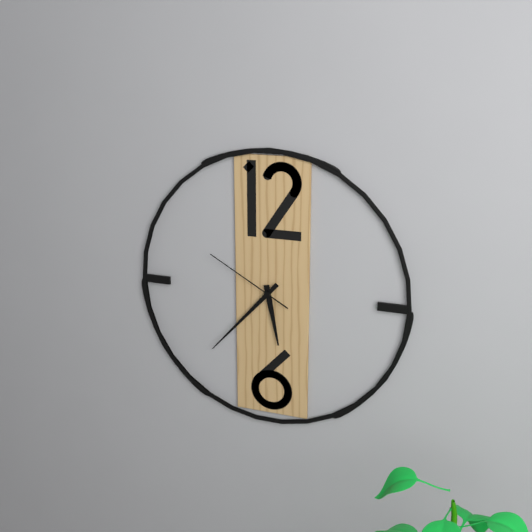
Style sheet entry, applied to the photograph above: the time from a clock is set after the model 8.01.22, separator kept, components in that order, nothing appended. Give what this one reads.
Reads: 5.37.50
